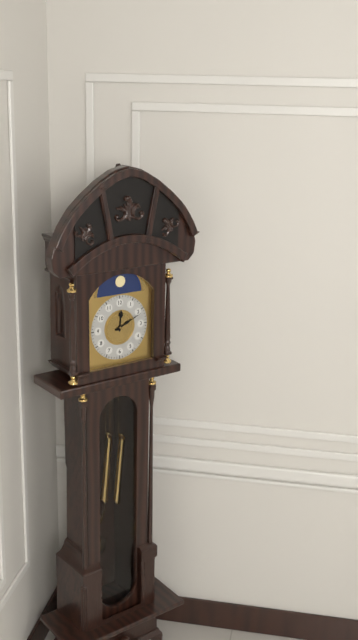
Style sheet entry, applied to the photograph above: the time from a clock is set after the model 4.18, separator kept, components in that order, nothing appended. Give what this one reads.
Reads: 12.11
